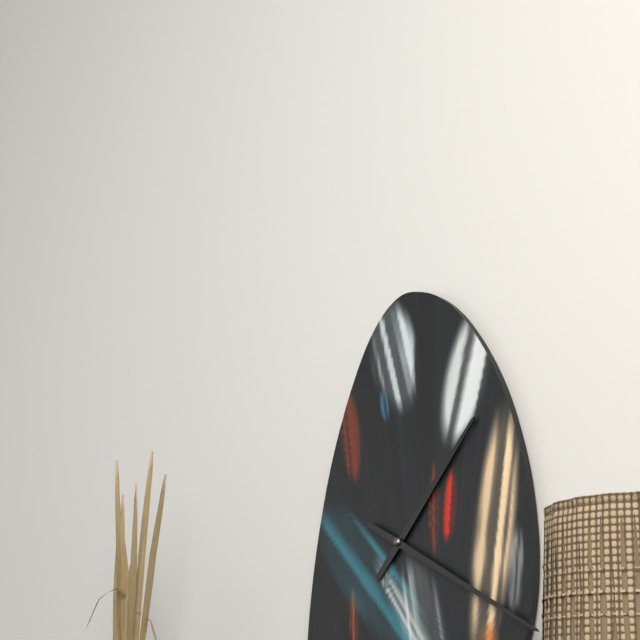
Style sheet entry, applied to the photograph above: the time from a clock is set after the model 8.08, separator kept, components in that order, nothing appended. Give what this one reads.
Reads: 1.20
